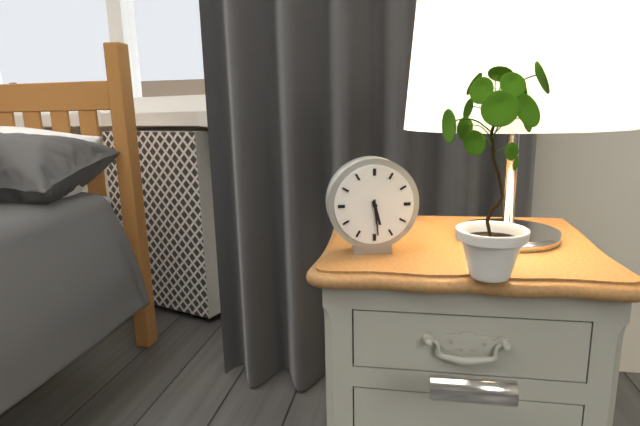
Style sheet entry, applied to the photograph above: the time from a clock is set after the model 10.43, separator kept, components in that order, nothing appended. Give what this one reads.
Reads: 5.29
